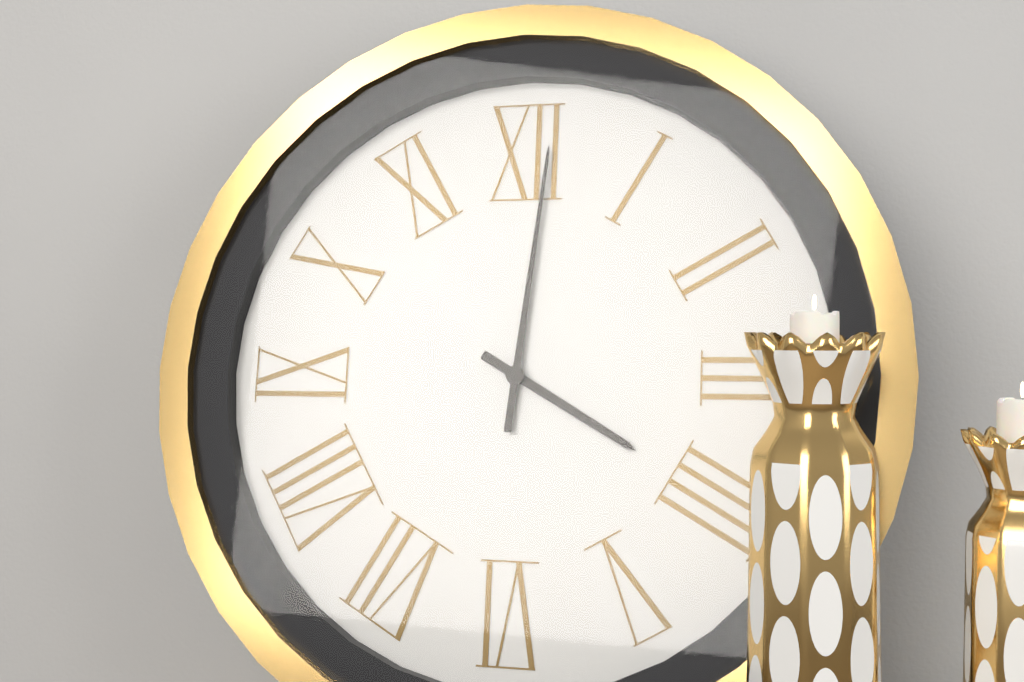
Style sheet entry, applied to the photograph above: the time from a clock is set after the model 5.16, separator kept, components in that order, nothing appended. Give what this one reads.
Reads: 4.01
